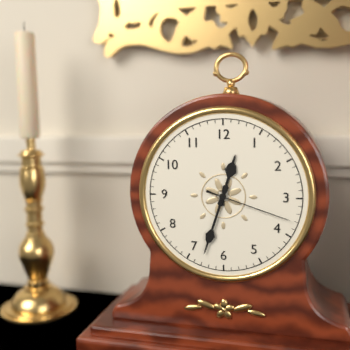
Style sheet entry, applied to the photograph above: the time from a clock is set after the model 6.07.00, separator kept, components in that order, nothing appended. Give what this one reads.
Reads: 12.33.18
